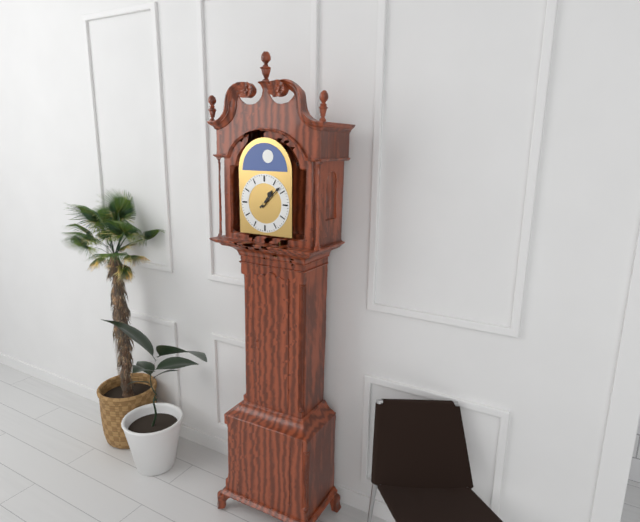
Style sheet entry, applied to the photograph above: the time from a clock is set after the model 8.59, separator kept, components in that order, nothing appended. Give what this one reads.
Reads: 1.08
